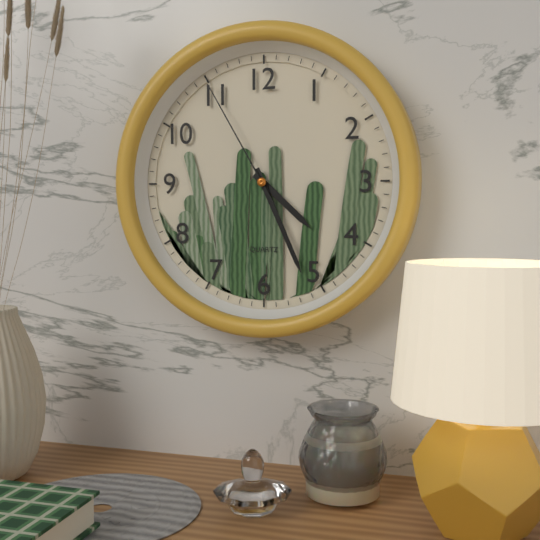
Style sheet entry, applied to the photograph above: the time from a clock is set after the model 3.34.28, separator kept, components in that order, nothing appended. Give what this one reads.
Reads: 4.26.55
